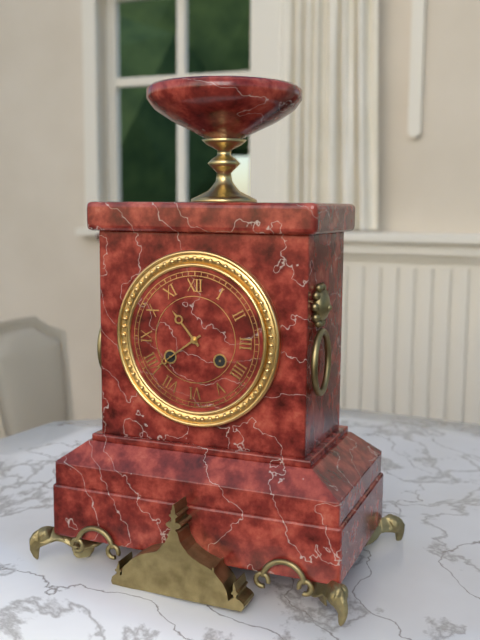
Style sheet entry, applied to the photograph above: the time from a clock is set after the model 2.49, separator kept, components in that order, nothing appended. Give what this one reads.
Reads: 10.39
